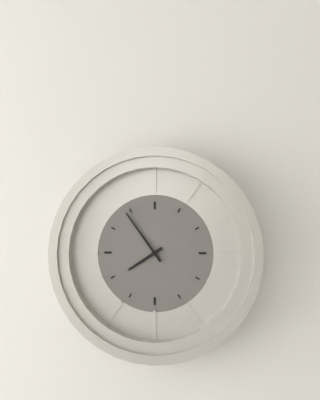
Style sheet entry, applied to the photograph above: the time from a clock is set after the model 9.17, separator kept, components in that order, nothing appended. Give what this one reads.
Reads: 7.54
